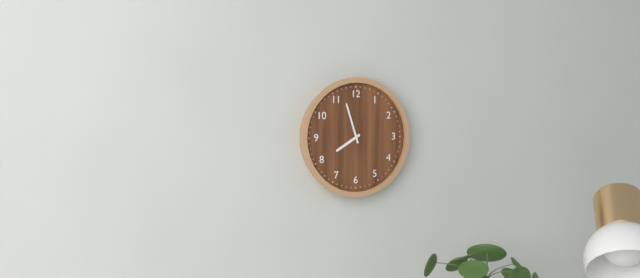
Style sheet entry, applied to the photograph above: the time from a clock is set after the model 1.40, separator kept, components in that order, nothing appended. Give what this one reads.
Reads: 7.57
